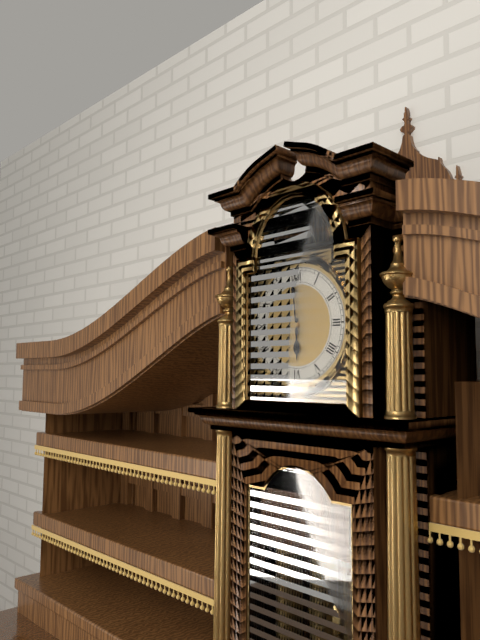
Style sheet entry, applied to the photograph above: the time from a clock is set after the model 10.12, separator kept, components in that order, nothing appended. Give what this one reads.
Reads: 5.59
